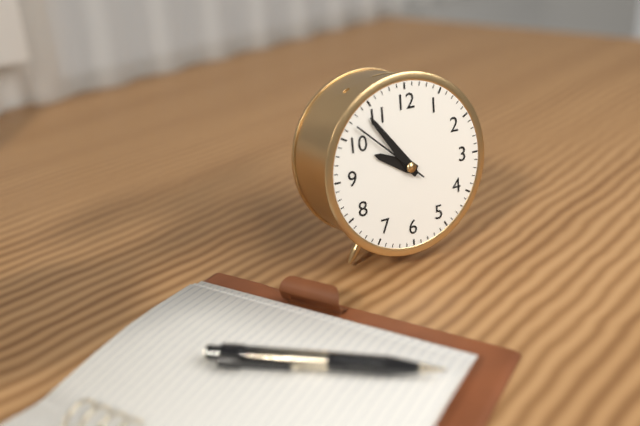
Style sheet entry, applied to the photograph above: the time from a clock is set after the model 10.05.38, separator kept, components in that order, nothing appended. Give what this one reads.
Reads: 9.54.52
